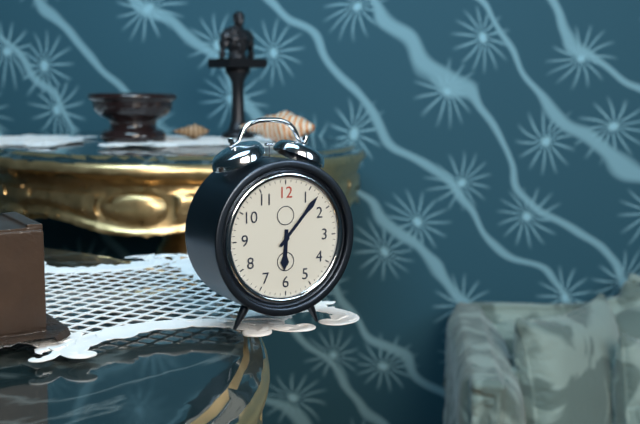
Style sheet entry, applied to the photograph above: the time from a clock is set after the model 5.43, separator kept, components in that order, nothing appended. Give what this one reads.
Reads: 6.07
